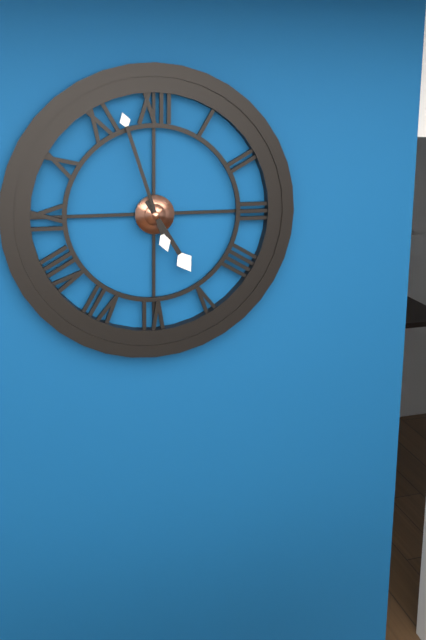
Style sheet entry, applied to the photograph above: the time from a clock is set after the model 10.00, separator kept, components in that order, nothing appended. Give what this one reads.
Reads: 4.57
